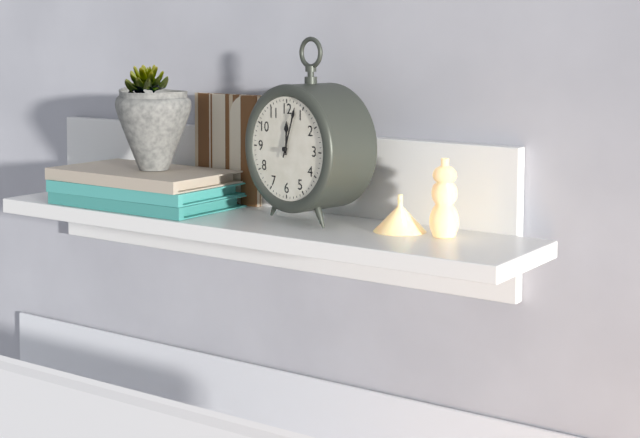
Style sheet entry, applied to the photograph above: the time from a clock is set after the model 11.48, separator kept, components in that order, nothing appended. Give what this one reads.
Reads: 12.03
